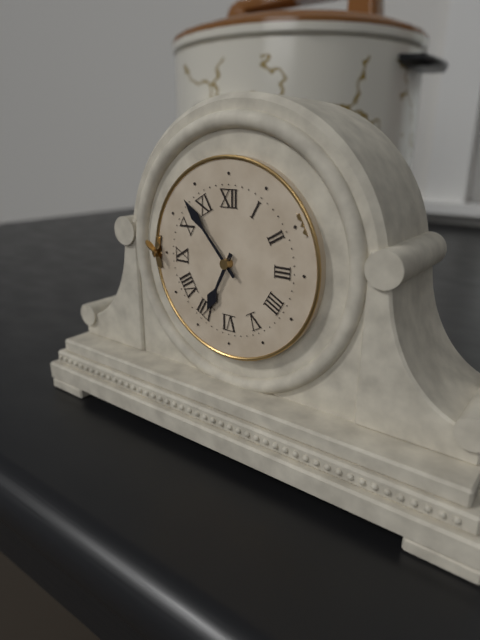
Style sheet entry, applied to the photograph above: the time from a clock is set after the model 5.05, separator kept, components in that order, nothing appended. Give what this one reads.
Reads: 6.53
